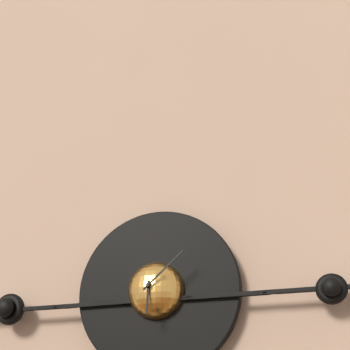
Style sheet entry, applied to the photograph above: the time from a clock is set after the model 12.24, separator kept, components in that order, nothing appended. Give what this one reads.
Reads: 6.08
